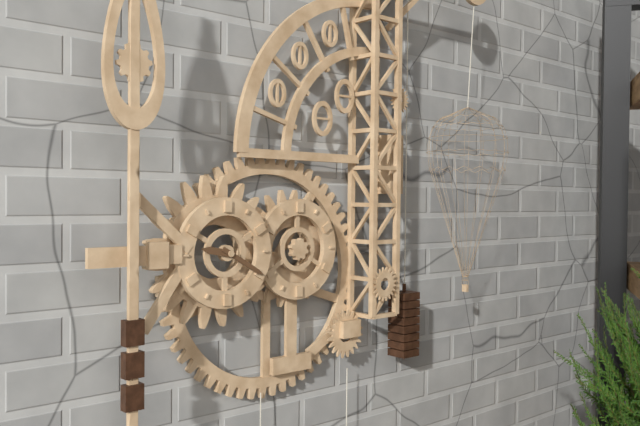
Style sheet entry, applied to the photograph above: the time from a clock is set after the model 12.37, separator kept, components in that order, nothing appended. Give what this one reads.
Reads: 9.20
